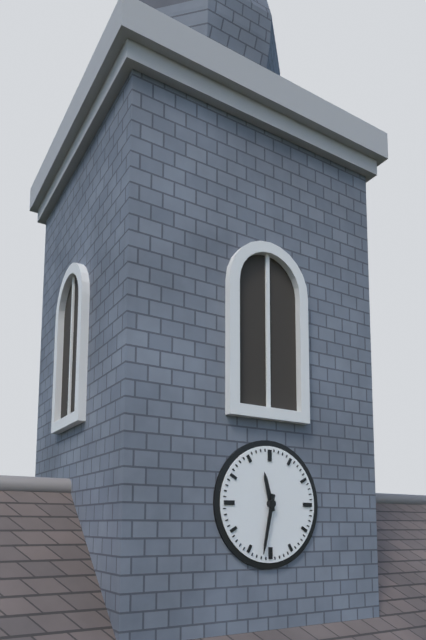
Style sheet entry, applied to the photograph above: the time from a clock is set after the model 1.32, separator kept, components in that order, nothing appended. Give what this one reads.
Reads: 11.32
